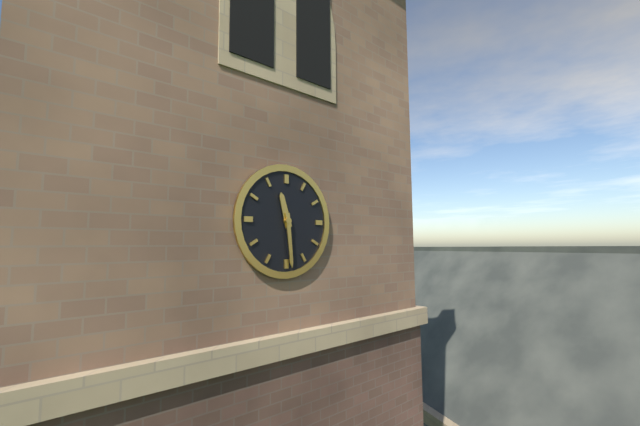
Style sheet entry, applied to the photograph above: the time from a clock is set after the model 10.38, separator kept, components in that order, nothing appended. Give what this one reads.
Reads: 11.29
